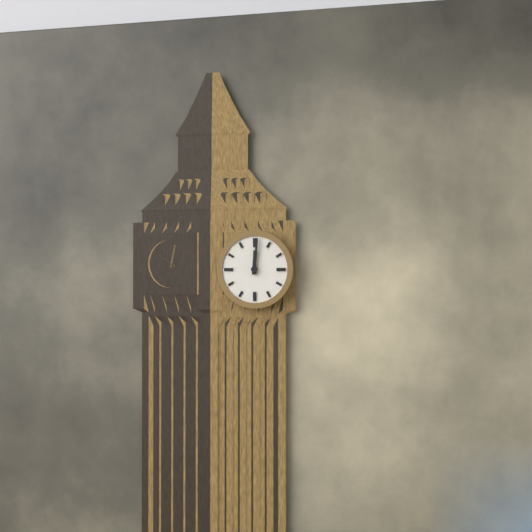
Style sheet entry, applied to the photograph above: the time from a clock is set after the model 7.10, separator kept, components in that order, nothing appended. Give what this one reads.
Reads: 12.01
